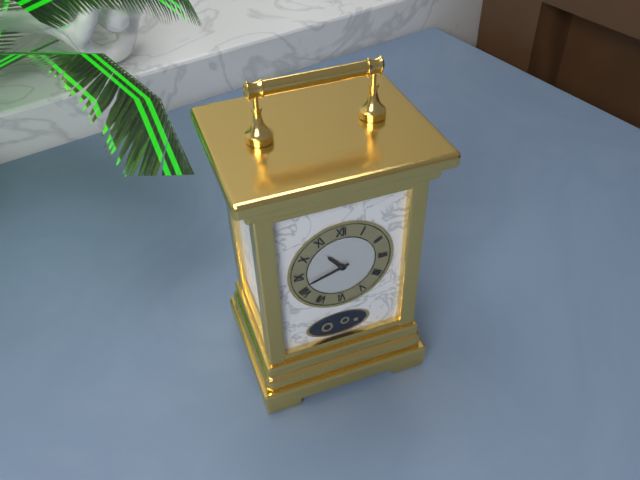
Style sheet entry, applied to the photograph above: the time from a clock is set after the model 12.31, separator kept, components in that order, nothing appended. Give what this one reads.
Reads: 10.42
